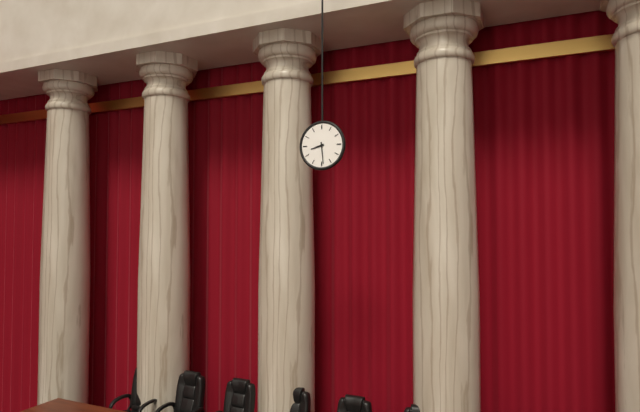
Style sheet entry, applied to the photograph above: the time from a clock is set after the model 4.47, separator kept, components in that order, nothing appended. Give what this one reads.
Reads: 8.29
